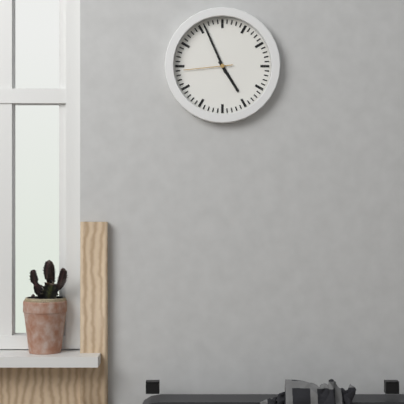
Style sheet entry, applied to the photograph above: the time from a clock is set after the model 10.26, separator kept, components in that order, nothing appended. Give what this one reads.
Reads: 4.56
